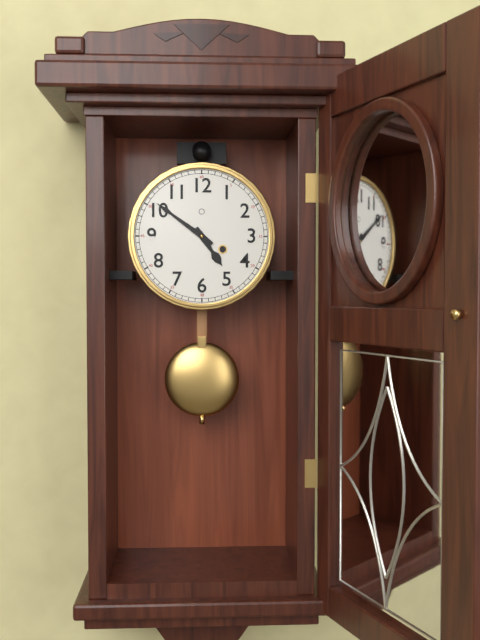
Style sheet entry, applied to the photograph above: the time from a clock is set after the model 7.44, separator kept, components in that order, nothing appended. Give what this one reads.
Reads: 4.51
